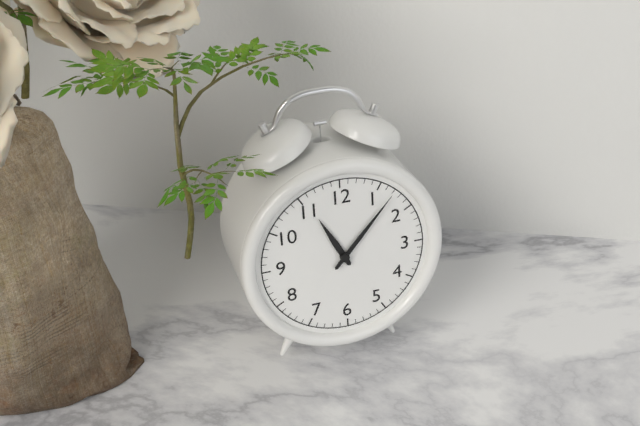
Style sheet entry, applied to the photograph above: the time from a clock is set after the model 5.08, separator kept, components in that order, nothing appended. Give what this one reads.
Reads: 11.07
